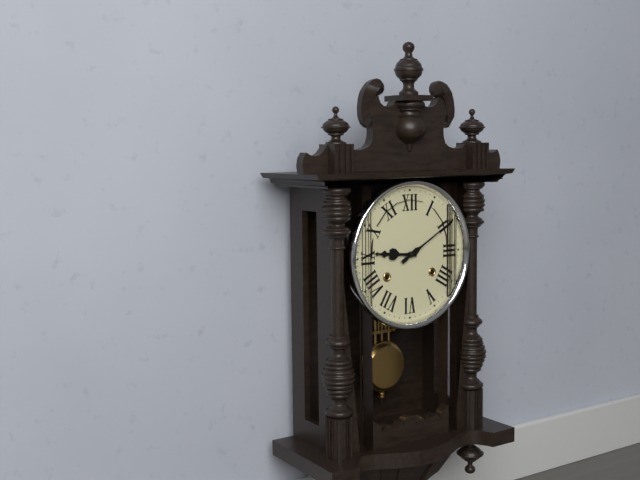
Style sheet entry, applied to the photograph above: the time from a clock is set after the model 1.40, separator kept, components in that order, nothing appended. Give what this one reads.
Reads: 9.10
